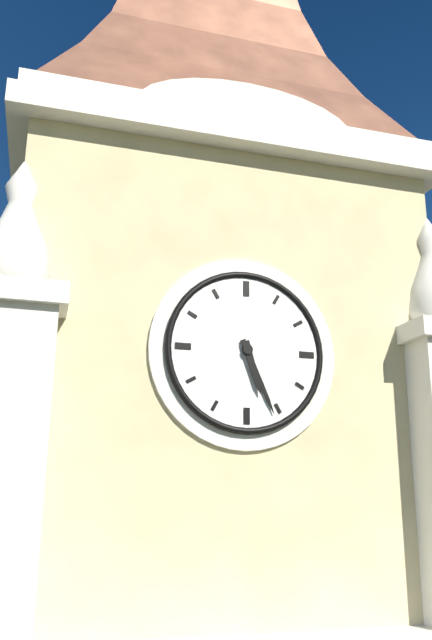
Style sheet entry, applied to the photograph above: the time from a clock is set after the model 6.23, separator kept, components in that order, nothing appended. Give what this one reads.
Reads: 5.26
